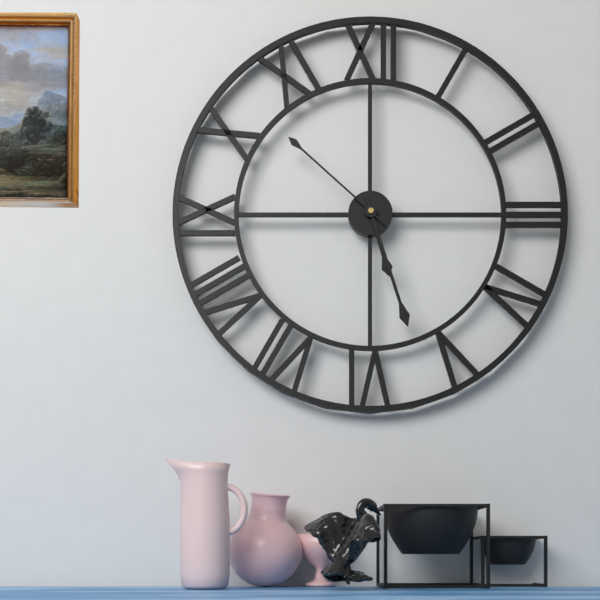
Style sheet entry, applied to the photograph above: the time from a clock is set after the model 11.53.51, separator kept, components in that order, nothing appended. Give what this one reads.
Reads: 5.27.52
